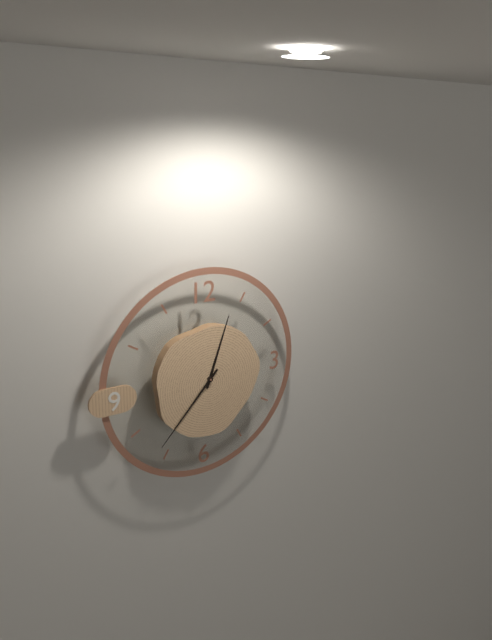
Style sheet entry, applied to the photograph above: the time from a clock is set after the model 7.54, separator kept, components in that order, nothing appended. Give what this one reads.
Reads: 12.37
